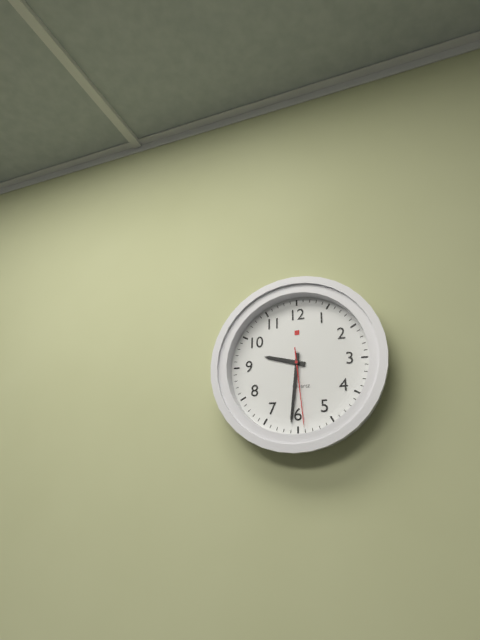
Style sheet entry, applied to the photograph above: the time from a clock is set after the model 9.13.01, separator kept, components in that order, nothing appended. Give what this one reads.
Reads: 9.31.29
